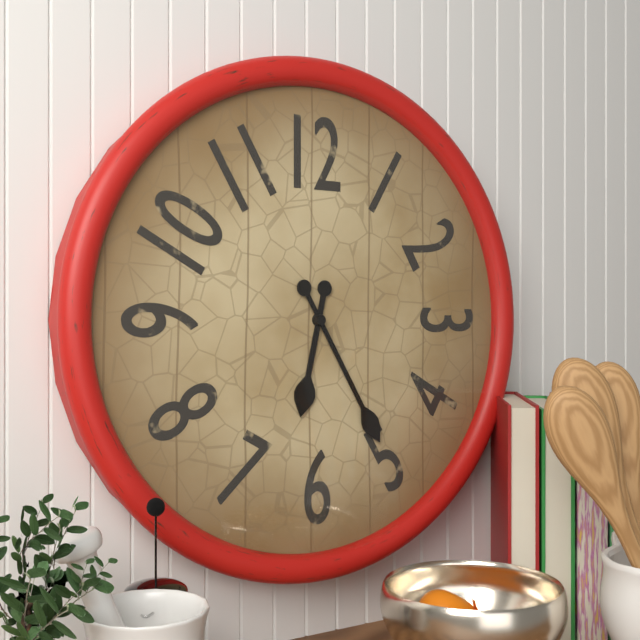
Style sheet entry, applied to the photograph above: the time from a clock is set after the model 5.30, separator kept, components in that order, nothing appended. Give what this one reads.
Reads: 6.25
